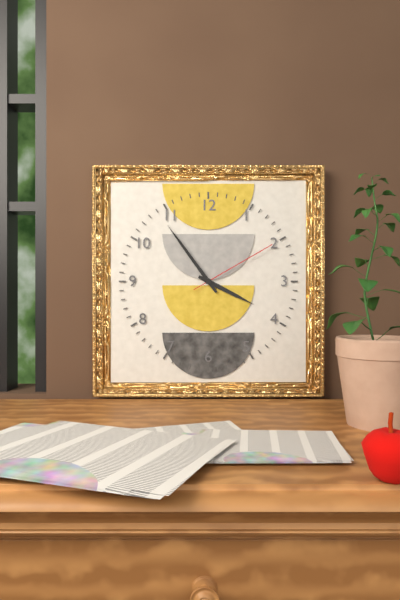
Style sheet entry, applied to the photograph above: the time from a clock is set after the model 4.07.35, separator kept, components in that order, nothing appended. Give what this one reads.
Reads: 3.54.10
